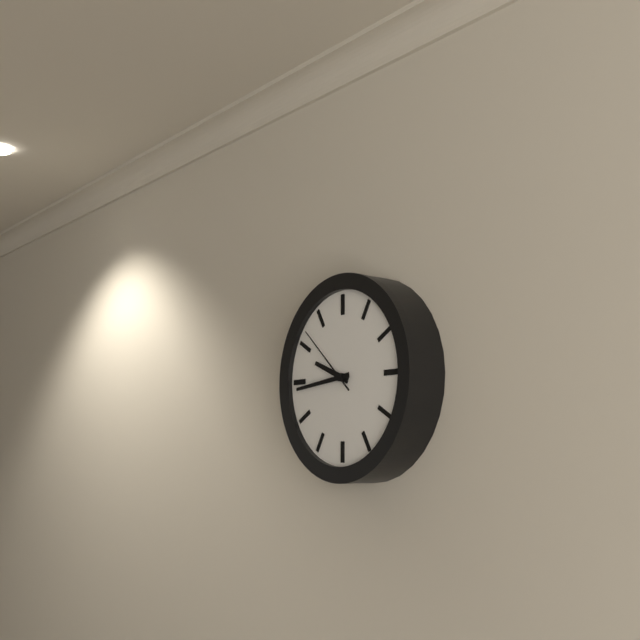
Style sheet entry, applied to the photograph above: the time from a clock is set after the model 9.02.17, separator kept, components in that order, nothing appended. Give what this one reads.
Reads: 9.44.52
